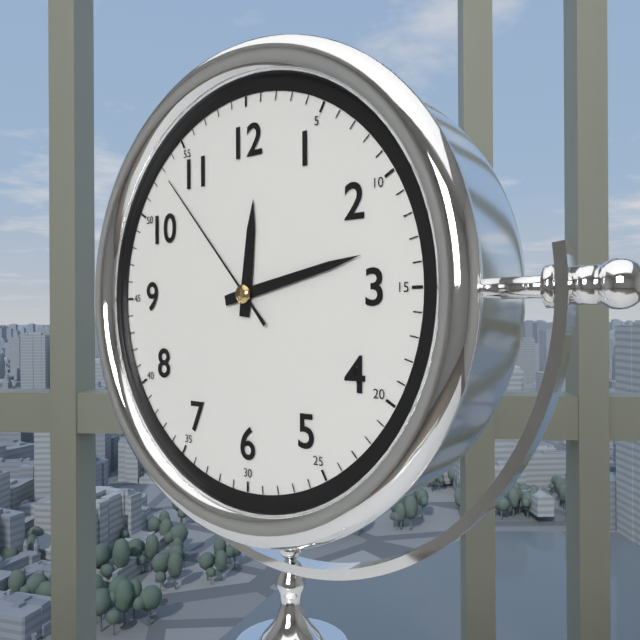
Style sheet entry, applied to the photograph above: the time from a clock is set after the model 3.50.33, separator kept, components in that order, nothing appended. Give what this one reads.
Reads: 12.13.53
